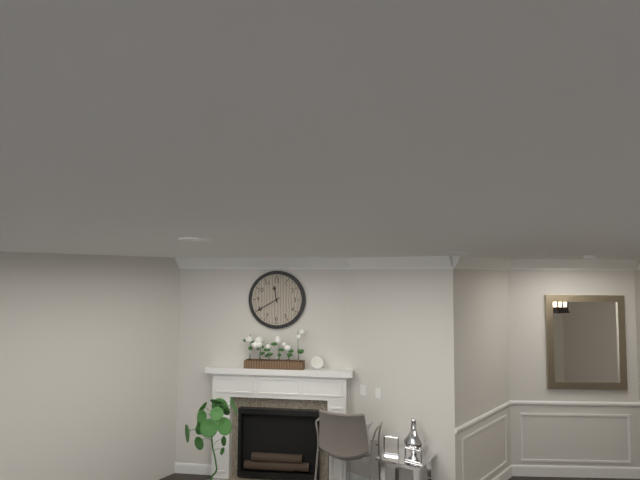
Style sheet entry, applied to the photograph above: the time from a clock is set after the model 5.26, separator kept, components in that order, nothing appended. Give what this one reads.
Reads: 11.40
